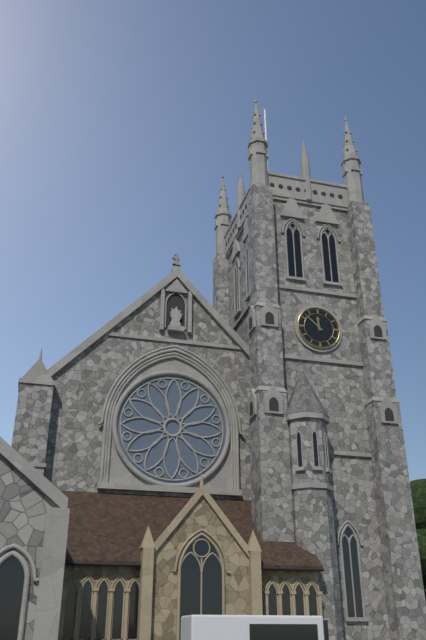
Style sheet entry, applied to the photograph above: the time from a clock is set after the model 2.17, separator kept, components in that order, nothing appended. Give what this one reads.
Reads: 11.52
